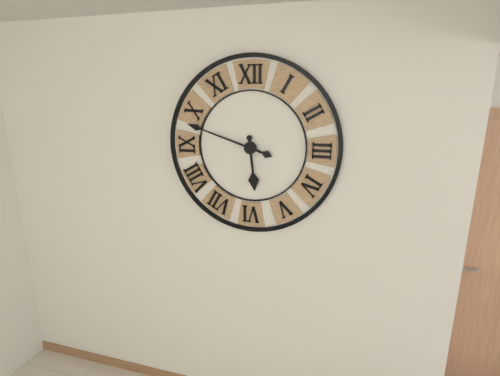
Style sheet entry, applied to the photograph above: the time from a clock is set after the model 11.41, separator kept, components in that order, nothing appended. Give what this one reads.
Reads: 5.48
